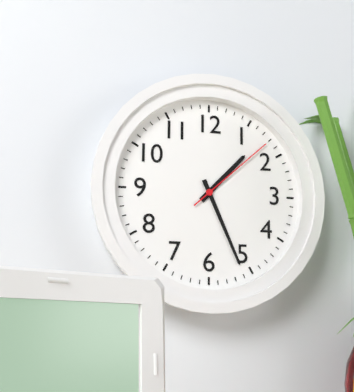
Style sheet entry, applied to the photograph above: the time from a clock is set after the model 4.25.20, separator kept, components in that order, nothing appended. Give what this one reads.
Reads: 1.26.08
